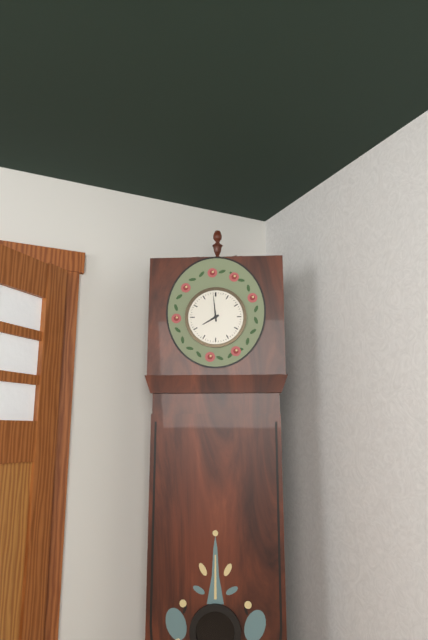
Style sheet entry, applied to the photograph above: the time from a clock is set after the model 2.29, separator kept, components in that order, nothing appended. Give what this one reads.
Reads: 7.59
